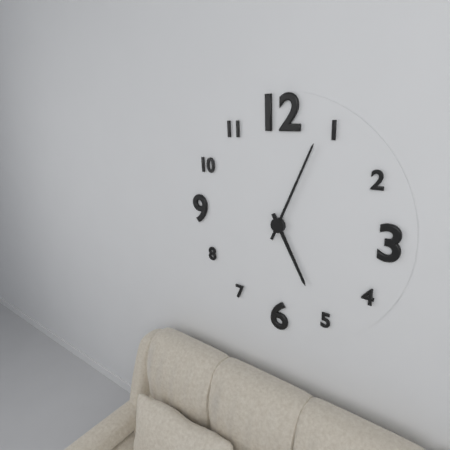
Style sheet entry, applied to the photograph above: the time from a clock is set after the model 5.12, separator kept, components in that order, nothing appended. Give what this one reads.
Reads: 5.04
